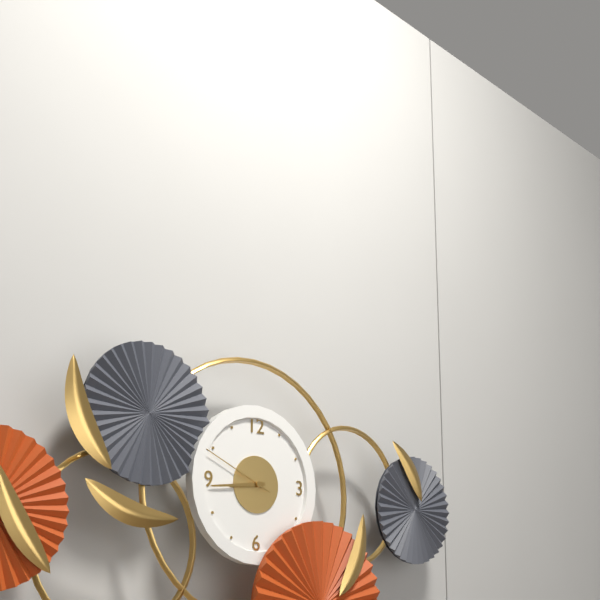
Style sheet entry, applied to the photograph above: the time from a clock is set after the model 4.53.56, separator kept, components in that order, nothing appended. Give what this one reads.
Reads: 8.44.49
